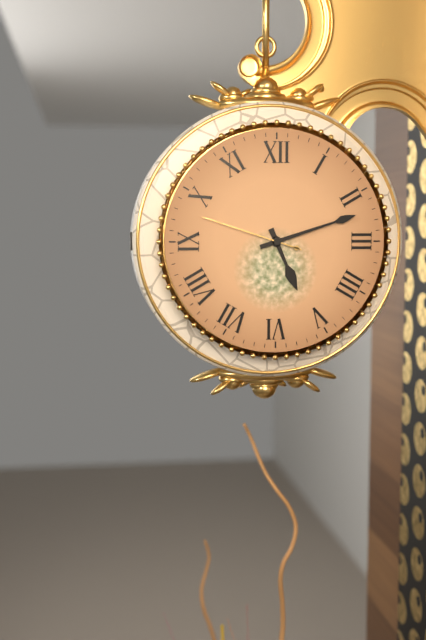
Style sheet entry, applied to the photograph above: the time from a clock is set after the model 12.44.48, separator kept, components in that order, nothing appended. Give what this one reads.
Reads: 5.12.48
